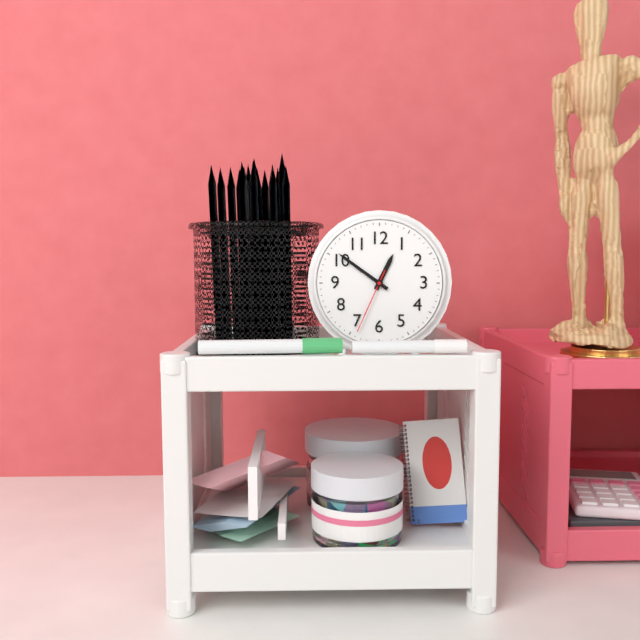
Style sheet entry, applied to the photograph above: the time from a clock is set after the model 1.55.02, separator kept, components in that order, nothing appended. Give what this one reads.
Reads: 12.51.34
